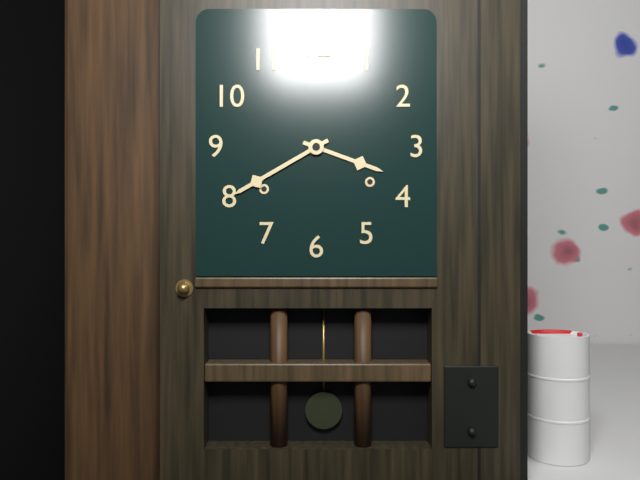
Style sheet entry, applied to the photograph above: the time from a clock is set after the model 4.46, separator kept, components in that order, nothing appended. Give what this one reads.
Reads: 3.40
